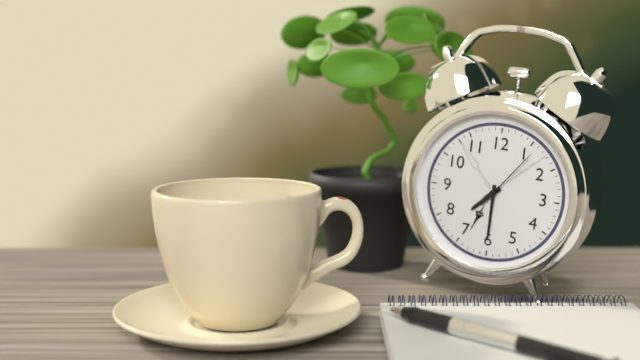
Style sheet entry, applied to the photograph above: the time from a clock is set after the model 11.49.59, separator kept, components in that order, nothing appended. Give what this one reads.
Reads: 7.30.06
